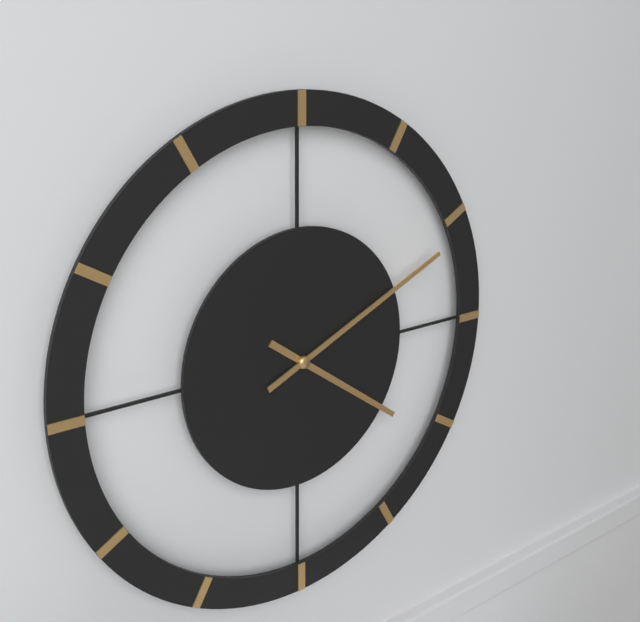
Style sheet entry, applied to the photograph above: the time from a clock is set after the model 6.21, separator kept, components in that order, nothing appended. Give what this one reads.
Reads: 4.11
